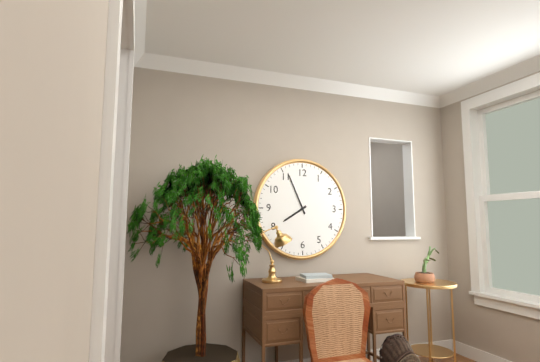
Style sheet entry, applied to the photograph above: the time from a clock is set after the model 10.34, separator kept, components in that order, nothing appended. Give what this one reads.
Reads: 7.56
